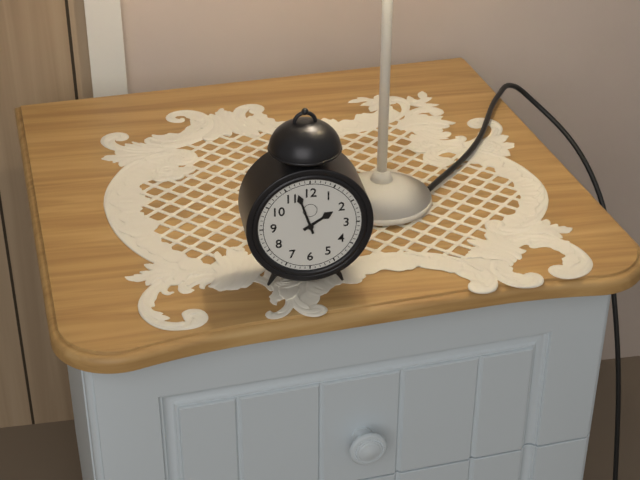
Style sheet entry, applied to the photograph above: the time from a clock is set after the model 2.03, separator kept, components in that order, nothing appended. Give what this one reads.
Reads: 1.57
